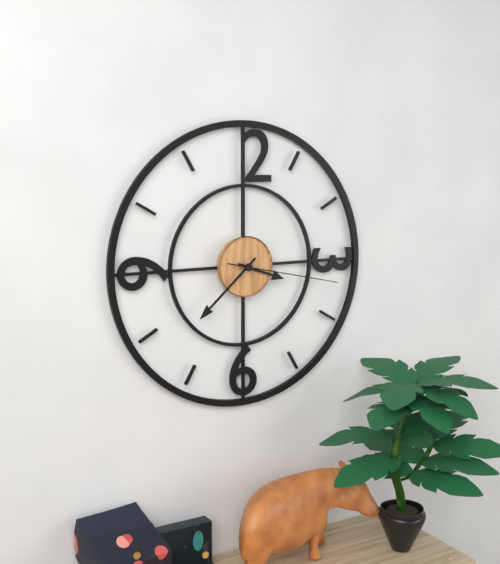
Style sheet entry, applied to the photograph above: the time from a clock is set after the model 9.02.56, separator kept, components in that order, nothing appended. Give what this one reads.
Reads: 3.38.17
